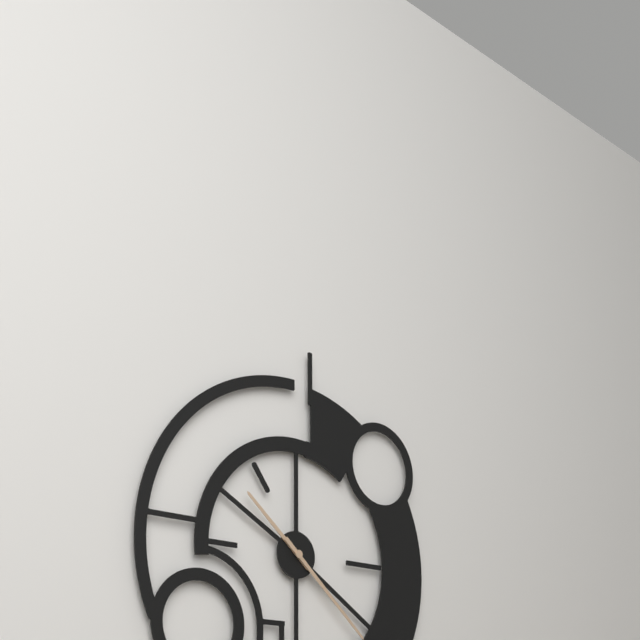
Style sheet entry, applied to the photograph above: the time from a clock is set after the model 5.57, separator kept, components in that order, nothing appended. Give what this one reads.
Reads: 10.22
